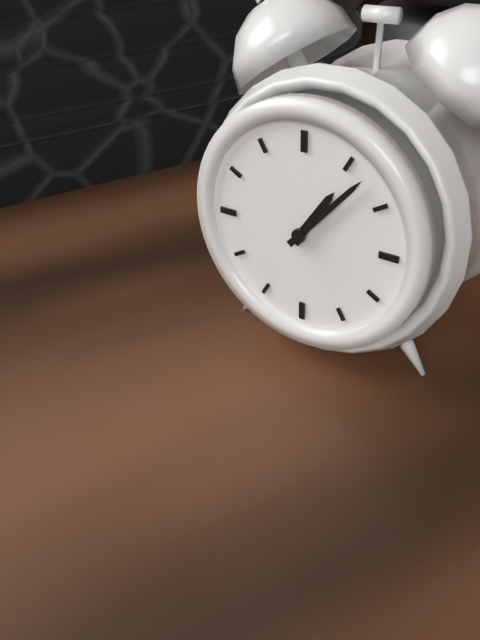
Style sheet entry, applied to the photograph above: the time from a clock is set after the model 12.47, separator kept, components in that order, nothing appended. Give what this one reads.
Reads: 1.07
